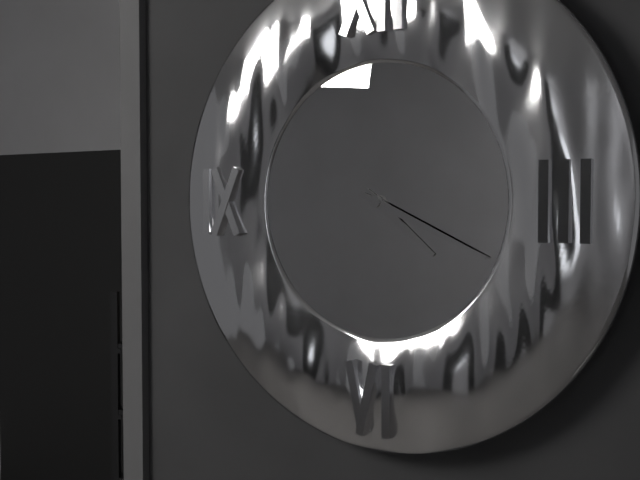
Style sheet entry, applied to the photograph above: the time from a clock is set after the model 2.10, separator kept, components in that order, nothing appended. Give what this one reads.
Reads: 4.19
